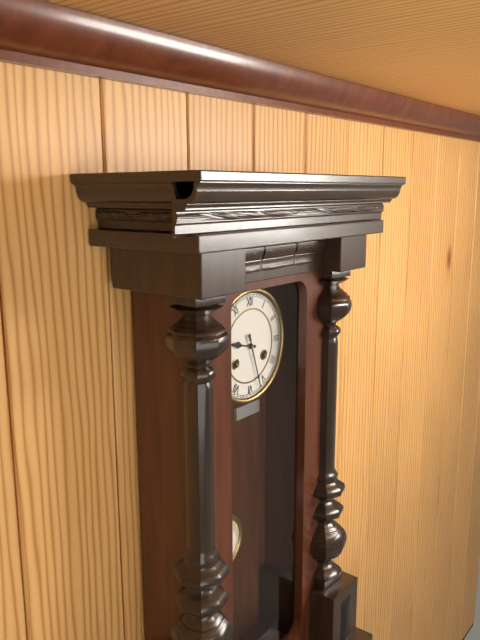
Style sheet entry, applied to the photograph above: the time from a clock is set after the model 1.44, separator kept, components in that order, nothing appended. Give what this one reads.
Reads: 9.27
